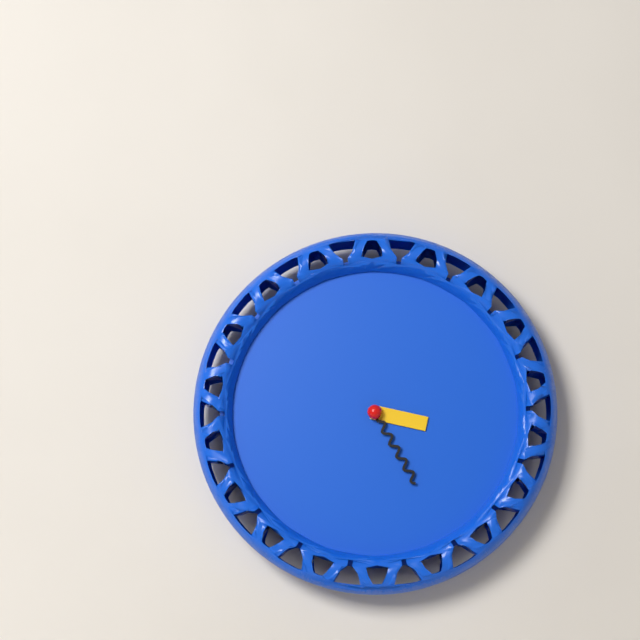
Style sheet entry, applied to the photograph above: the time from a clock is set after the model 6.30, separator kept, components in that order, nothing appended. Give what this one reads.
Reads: 3.25
